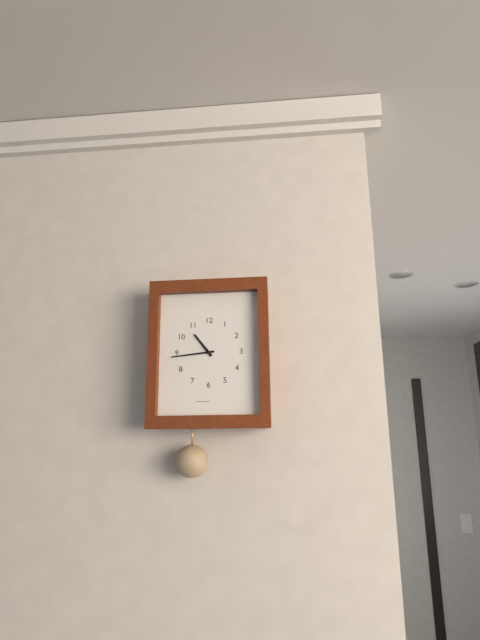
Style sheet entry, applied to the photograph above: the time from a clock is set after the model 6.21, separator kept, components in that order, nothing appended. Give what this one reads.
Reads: 10.44
